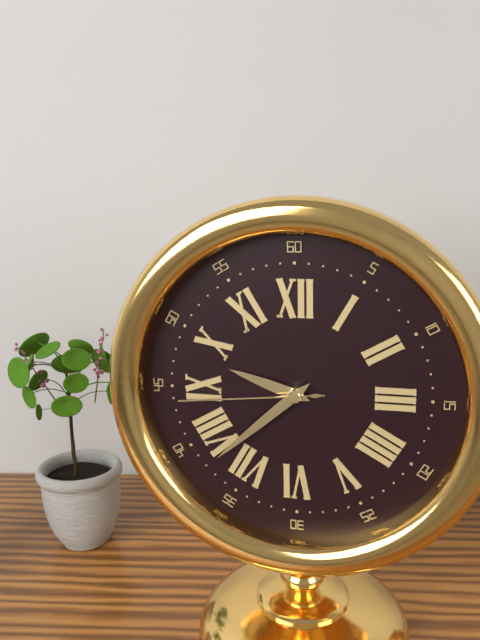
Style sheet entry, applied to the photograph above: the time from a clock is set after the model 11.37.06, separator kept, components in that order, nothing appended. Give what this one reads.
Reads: 9.38.44
